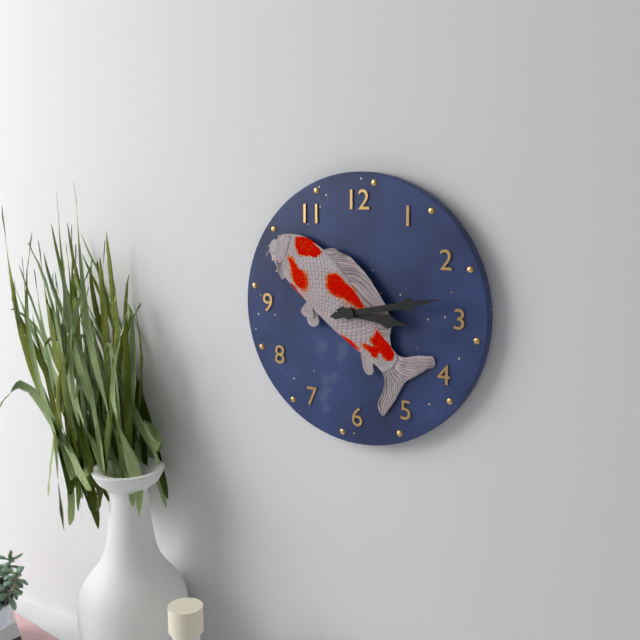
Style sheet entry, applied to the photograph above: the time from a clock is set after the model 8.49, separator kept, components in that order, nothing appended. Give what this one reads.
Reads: 3.13
